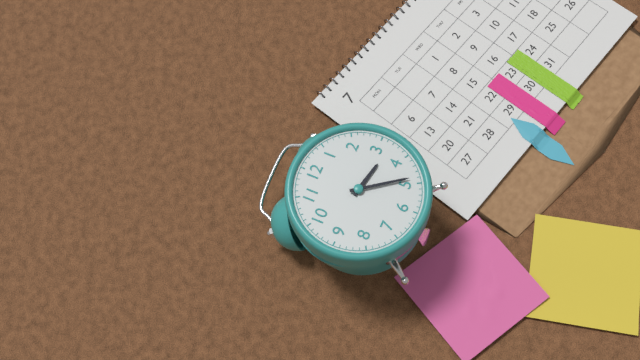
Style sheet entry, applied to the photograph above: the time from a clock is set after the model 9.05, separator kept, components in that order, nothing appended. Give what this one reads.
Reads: 3.24
